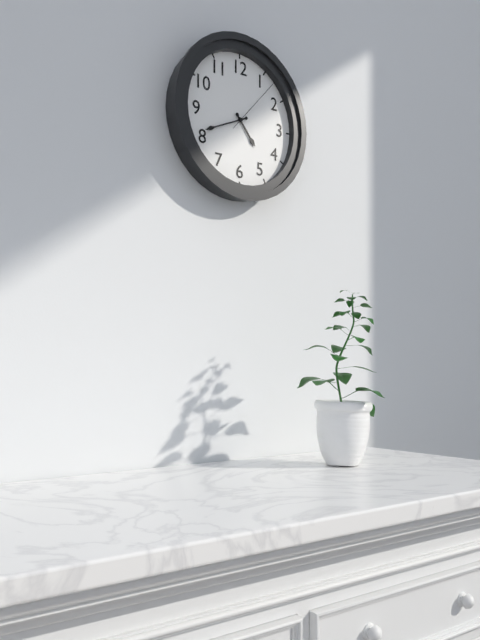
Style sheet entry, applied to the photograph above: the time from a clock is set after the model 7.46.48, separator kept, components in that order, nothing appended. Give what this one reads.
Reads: 4.41.07
